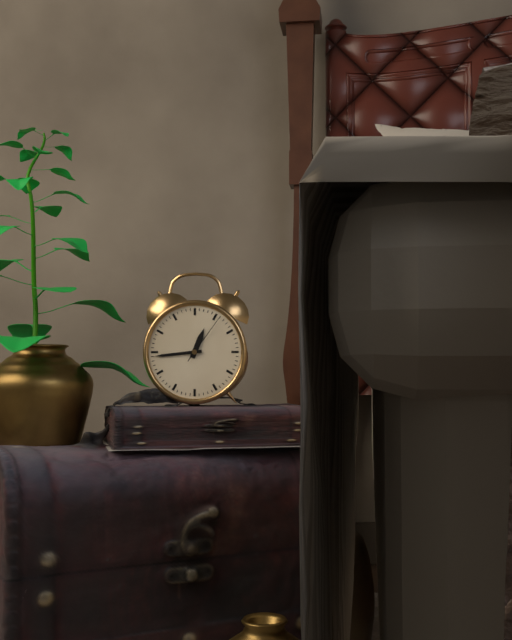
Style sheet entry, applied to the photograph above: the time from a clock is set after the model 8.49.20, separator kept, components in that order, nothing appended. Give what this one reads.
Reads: 12.44.06
